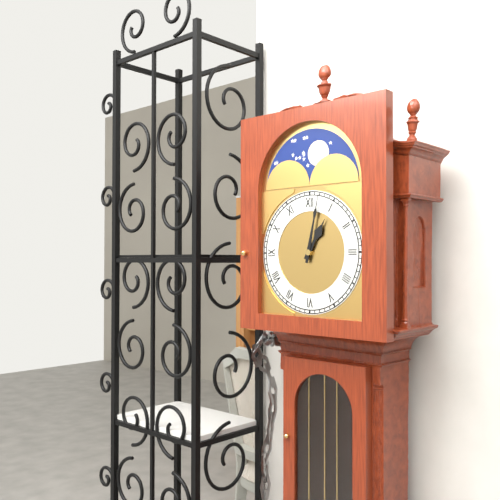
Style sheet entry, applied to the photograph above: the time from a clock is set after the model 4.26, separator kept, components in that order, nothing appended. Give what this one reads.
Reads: 1.02
